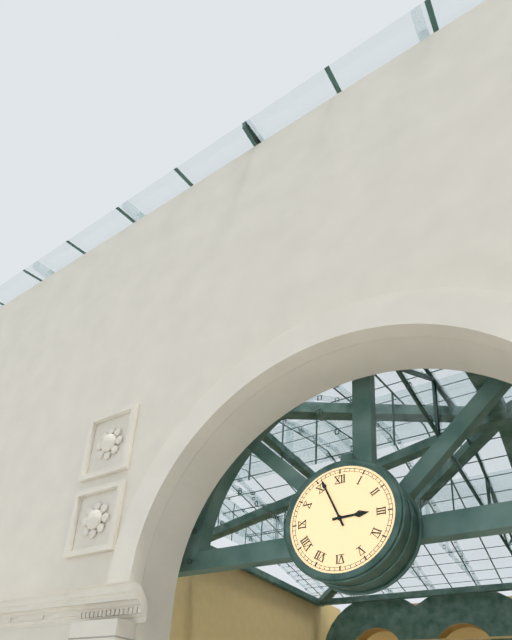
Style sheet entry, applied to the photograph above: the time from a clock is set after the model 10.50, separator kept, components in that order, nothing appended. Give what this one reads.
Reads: 2.56
